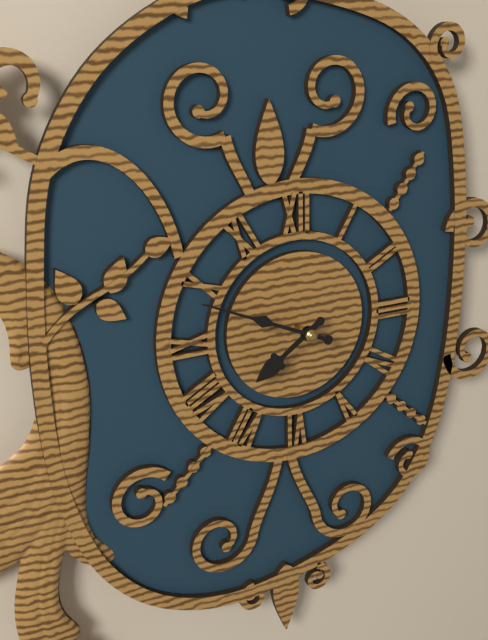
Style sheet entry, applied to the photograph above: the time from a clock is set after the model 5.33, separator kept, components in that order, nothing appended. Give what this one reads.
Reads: 7.49
